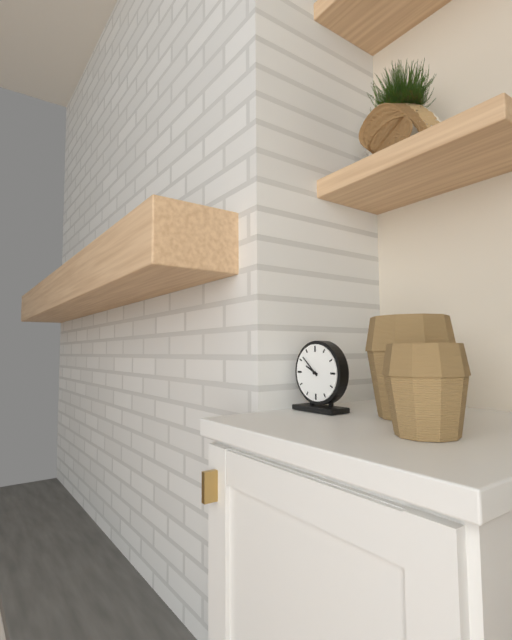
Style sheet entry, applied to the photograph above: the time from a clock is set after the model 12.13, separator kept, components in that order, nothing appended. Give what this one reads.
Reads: 9.52
